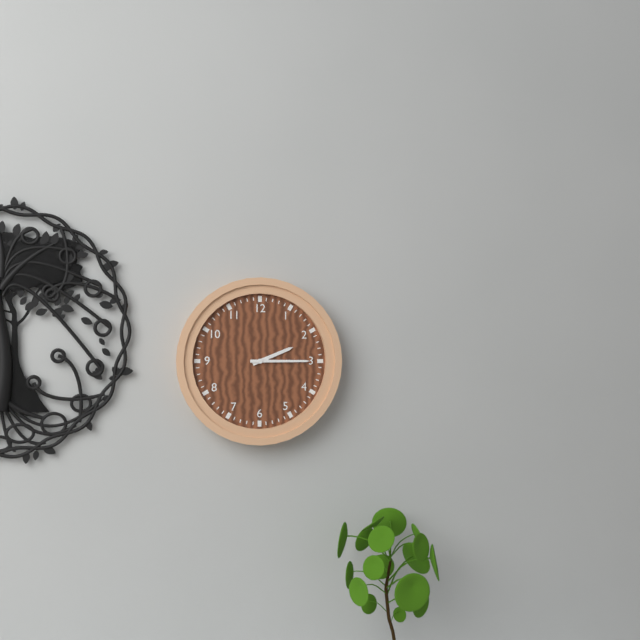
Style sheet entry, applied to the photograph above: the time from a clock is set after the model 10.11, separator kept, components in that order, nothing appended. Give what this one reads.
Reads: 2.15
